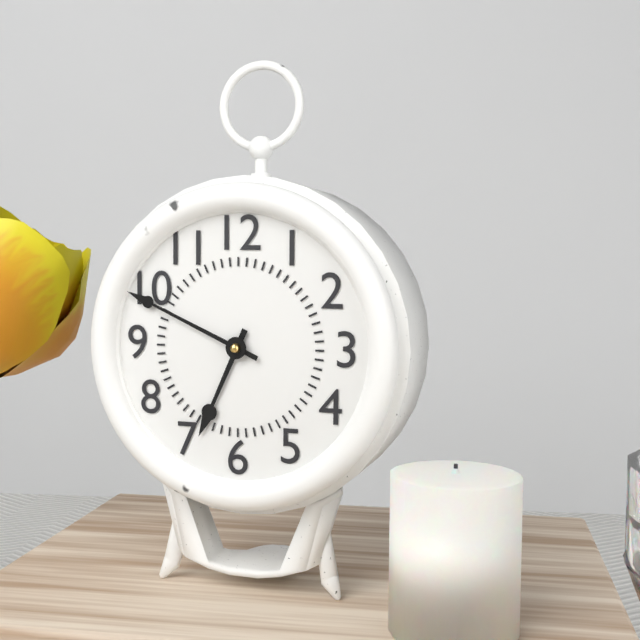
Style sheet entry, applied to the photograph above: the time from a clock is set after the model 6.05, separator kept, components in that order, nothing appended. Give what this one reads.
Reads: 6.49
